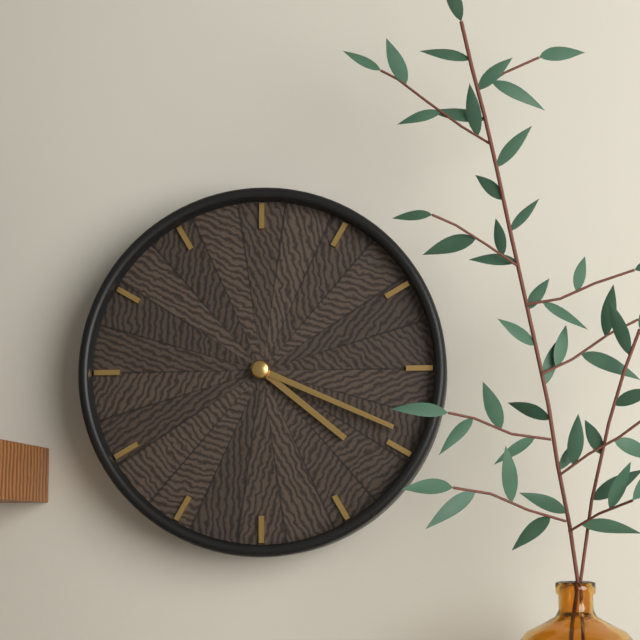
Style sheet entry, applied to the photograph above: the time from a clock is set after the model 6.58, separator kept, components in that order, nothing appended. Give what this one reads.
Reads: 4.19
